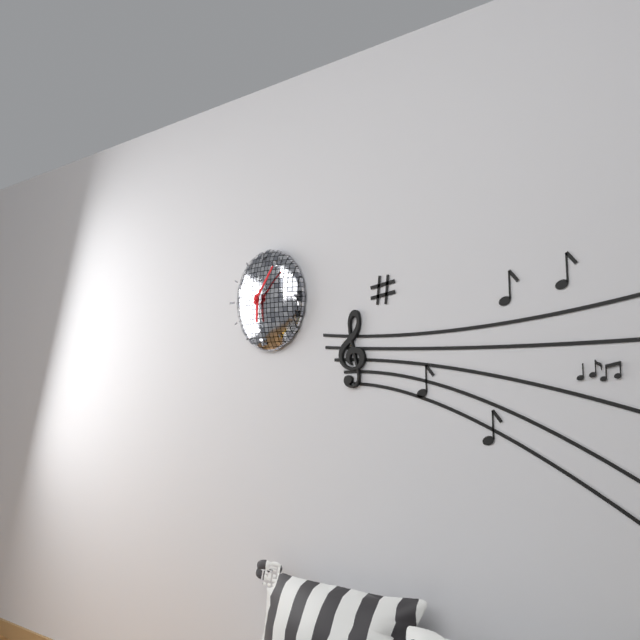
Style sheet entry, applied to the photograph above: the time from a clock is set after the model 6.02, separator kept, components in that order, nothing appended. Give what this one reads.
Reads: 6.06
